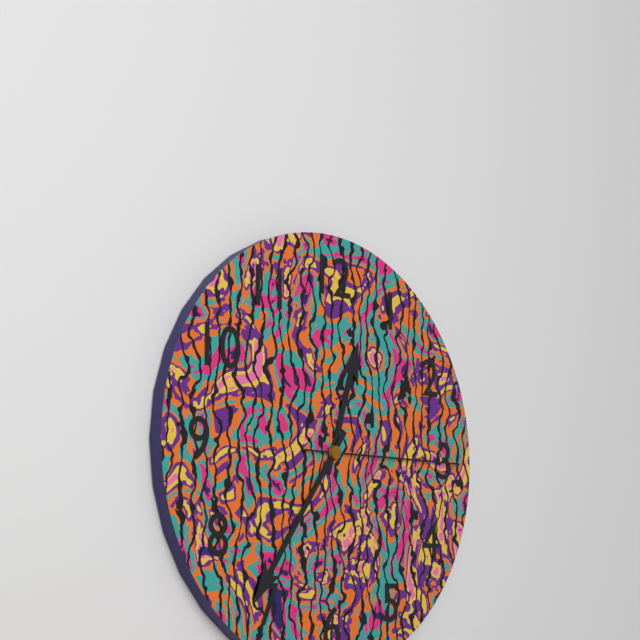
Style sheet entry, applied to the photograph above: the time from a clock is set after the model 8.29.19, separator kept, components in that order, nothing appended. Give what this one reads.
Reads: 12.36.15
